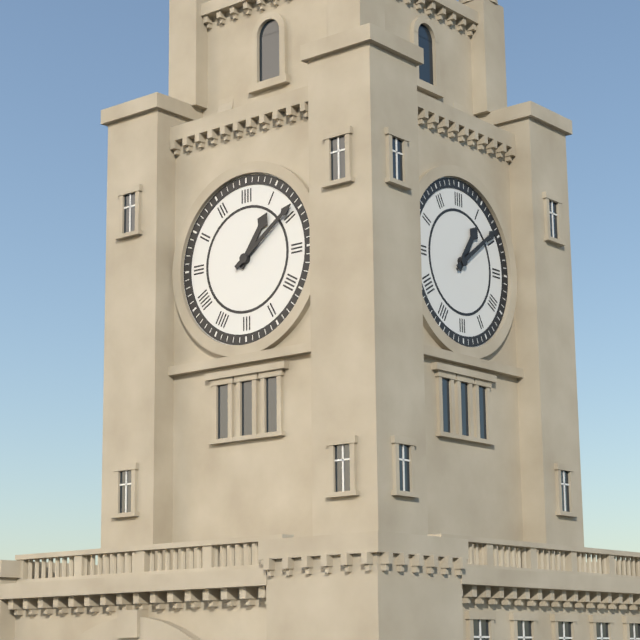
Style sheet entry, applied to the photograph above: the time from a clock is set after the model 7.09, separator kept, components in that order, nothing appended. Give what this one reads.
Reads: 1.09
